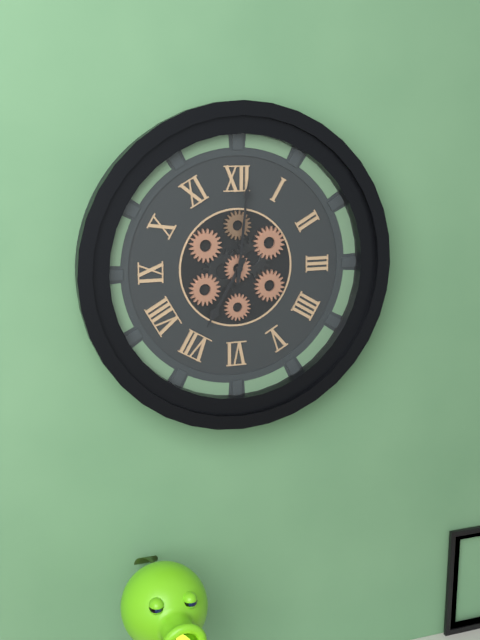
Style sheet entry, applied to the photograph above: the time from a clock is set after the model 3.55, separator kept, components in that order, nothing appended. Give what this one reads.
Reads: 7.01
